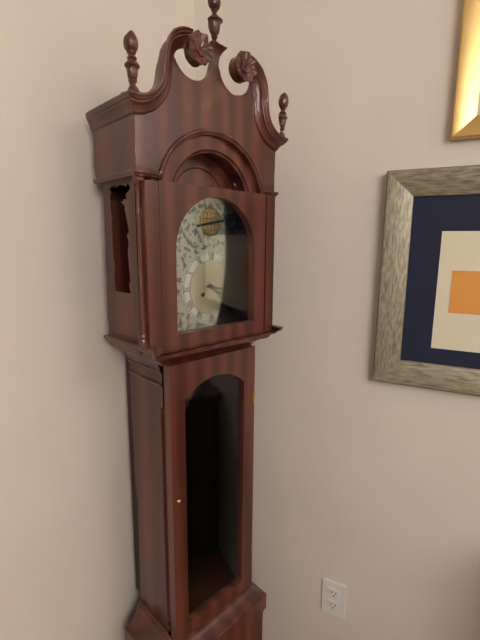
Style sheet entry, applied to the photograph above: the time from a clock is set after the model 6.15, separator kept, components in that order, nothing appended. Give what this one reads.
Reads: 4.17
